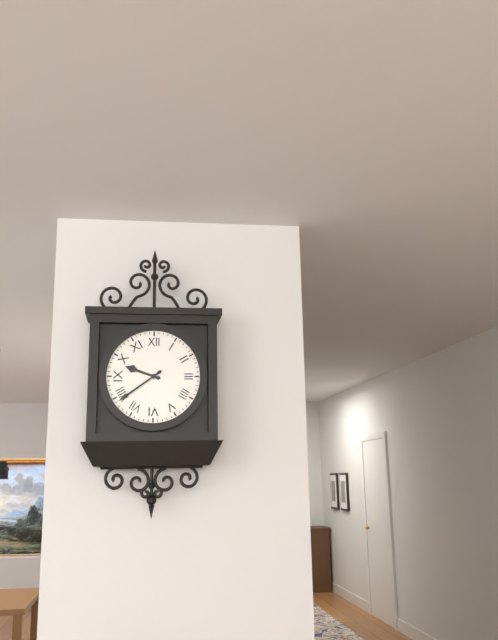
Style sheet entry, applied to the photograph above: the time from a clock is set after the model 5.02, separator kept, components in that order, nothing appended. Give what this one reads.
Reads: 9.39
